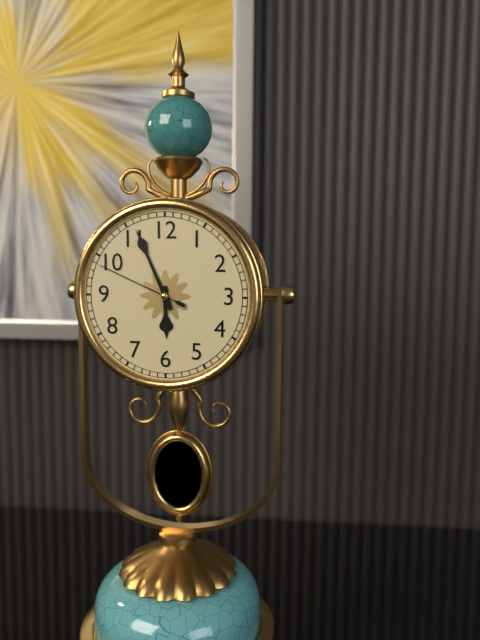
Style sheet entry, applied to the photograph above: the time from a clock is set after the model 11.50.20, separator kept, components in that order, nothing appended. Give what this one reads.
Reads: 5.56.49
